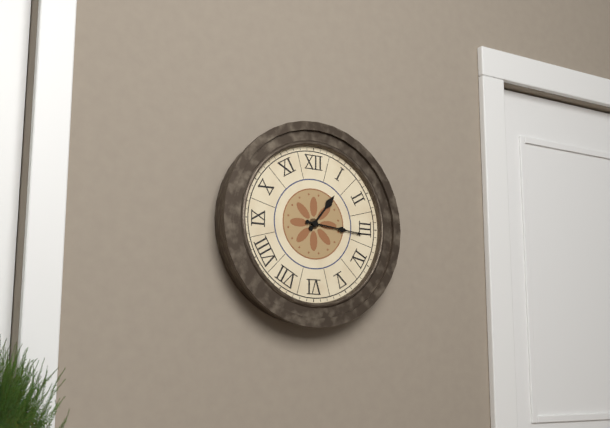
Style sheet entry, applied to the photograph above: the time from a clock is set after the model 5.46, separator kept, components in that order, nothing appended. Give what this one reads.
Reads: 1.16
